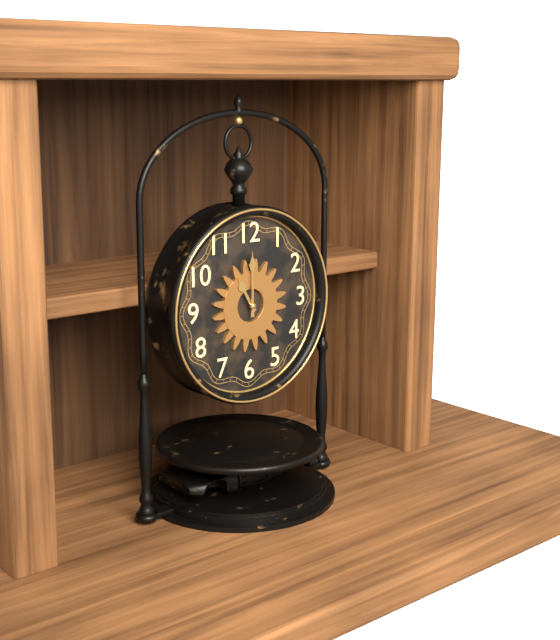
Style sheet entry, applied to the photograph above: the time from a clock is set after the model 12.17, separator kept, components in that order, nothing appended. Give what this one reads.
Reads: 11.00
